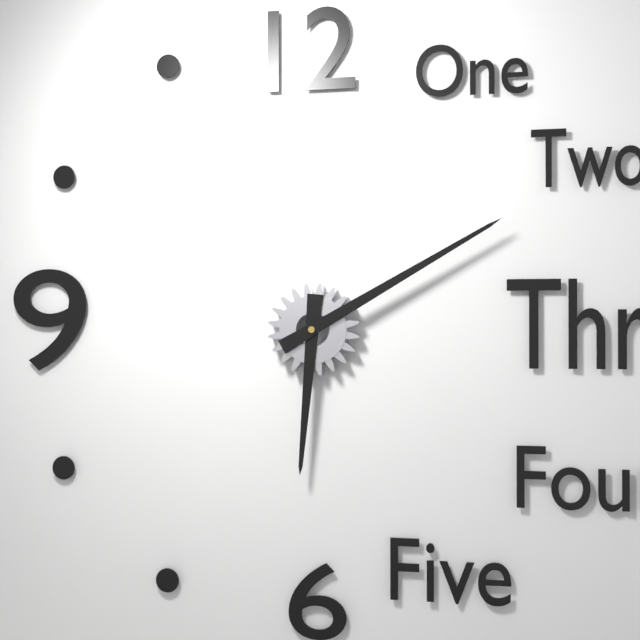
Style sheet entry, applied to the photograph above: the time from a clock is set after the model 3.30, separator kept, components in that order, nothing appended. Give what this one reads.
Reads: 6.10
